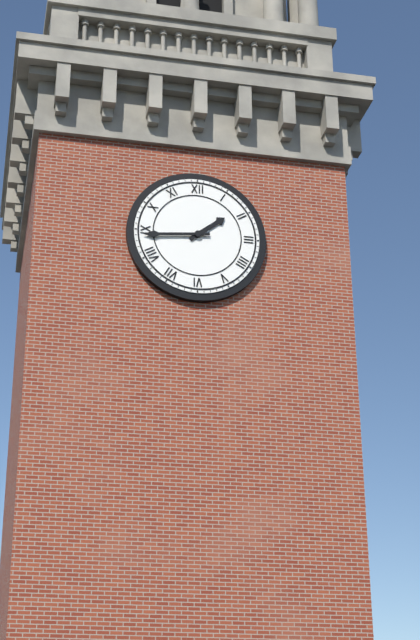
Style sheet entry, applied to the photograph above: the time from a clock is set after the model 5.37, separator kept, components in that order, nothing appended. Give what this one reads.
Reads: 1.44
